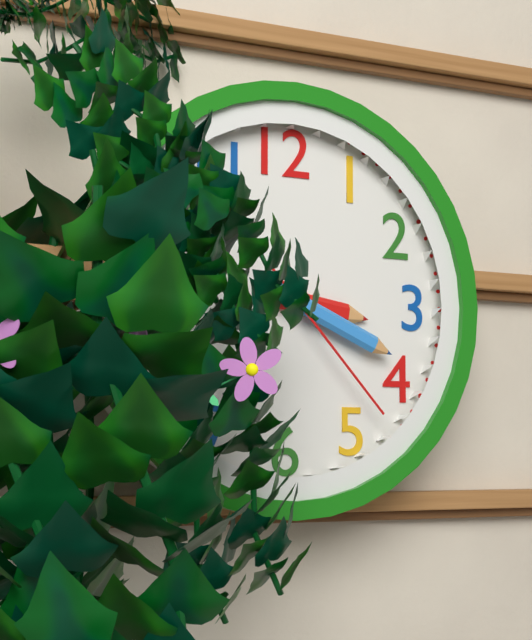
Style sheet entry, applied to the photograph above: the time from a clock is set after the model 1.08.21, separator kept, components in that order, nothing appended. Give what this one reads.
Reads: 3.19.23
